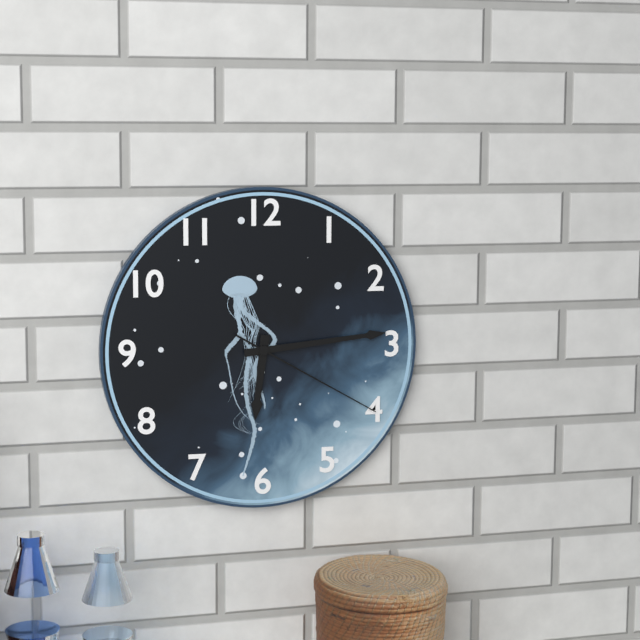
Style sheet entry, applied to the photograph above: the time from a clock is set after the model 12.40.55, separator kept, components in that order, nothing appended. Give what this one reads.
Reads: 6.14.20
